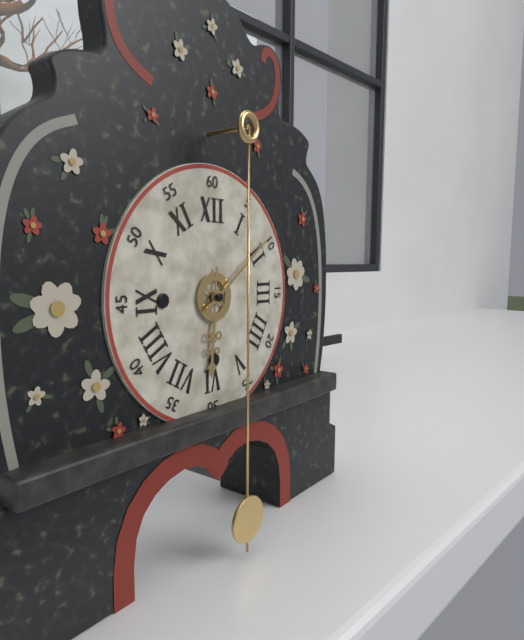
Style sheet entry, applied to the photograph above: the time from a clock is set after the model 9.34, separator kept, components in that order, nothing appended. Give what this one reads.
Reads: 6.09
